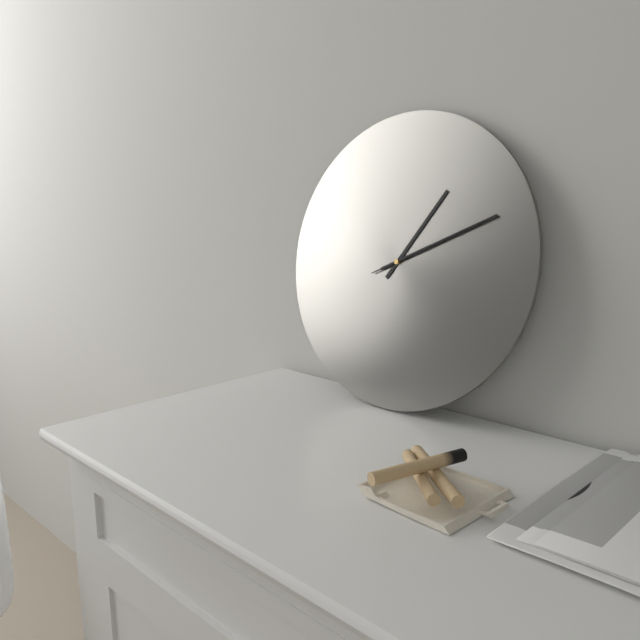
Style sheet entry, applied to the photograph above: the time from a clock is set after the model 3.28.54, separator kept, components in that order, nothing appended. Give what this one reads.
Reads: 1.11.11
